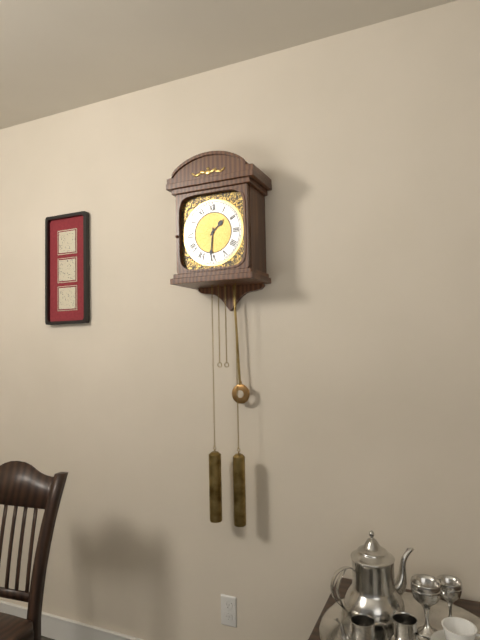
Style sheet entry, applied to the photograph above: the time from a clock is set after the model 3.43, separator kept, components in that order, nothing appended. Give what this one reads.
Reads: 1.31
